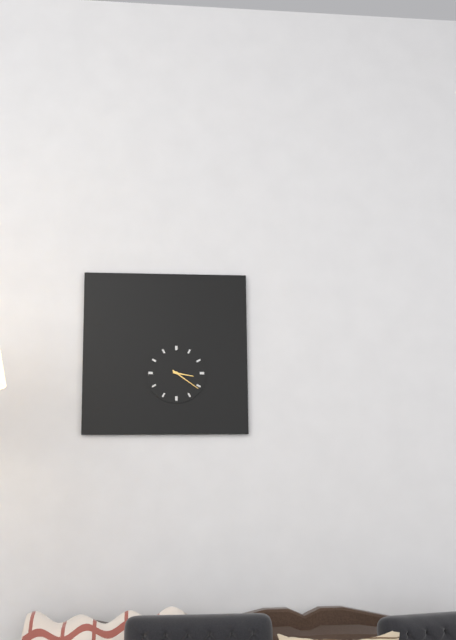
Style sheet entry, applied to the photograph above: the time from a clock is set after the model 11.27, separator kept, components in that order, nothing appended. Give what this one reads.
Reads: 3.21
